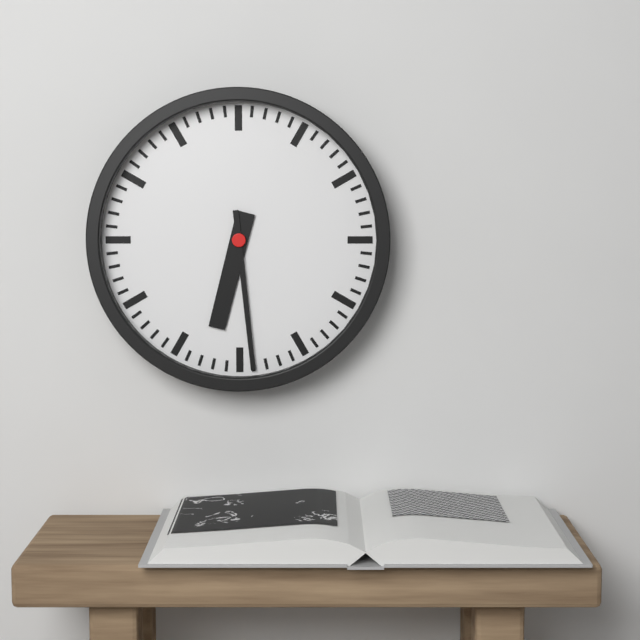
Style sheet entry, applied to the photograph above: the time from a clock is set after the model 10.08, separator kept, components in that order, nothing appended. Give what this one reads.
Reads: 6.29
